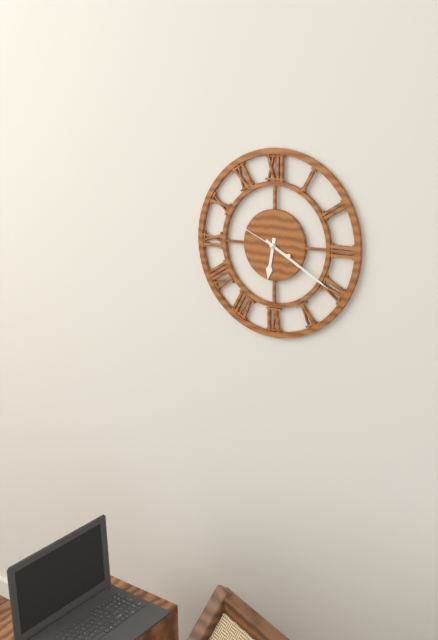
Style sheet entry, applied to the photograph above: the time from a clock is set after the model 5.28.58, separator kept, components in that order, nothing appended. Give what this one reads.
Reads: 6.20.49
